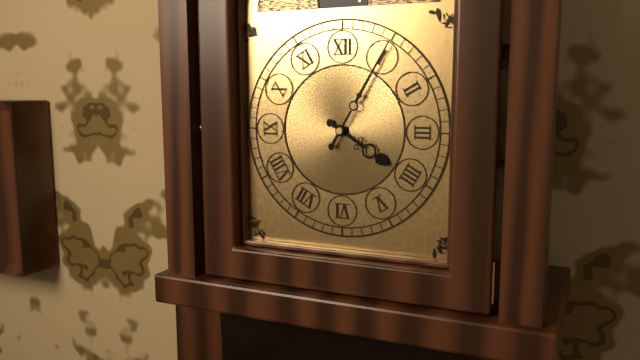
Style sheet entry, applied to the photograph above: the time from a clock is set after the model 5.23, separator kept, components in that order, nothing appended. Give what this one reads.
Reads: 4.05
